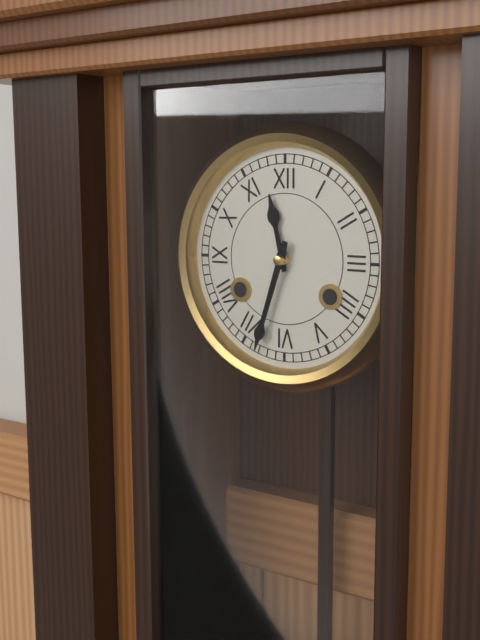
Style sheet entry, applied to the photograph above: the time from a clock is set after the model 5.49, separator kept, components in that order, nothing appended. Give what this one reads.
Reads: 11.33
